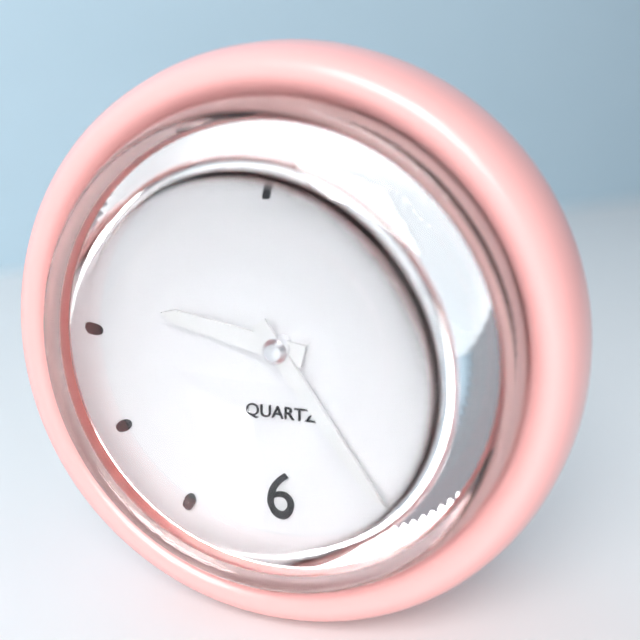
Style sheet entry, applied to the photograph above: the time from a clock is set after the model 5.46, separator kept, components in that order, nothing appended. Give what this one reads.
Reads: 9.24
